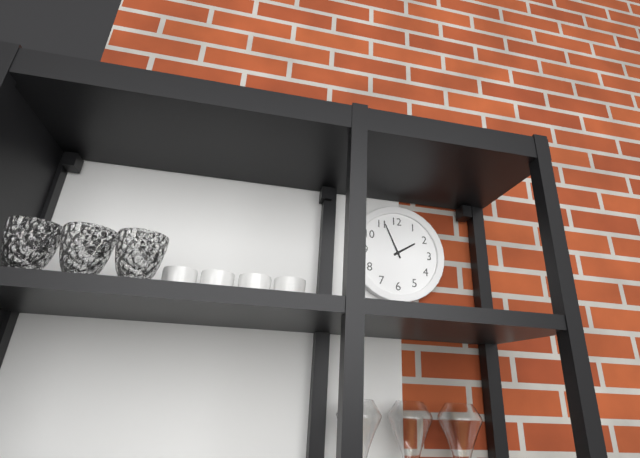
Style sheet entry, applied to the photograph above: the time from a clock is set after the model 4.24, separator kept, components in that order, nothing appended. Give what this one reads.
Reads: 1.56
